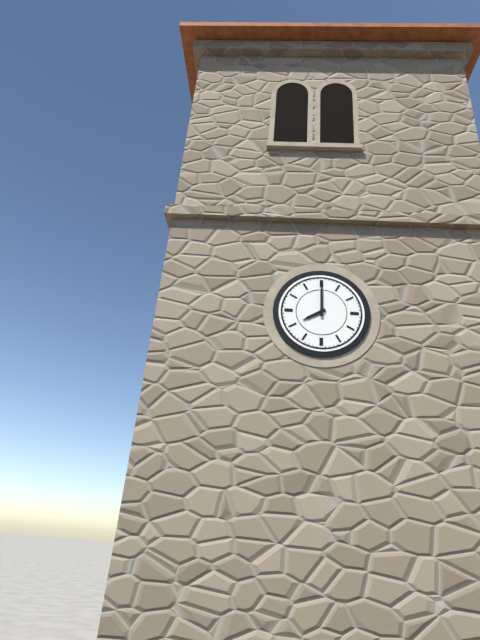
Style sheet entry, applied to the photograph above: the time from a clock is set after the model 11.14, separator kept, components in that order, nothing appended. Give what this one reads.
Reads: 8.00
